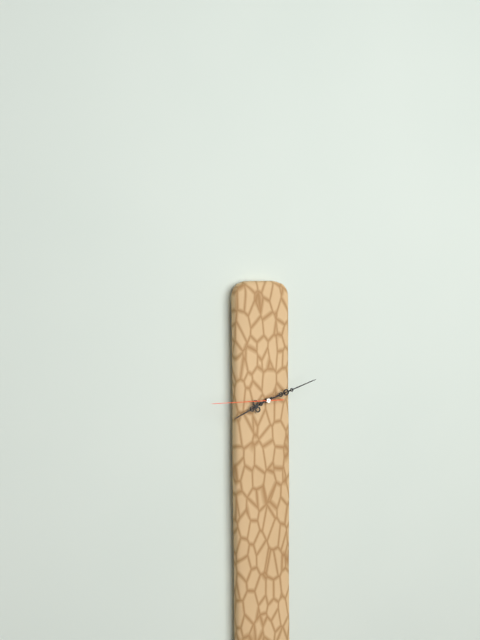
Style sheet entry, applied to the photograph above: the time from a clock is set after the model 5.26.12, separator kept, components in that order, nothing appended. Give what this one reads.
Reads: 8.12.45
